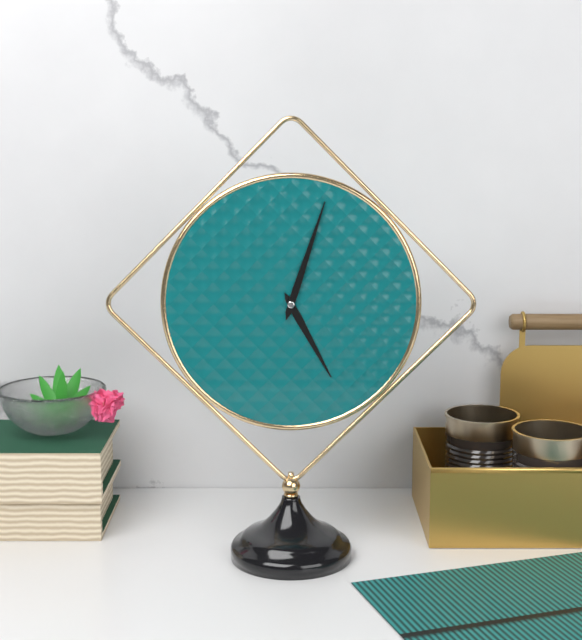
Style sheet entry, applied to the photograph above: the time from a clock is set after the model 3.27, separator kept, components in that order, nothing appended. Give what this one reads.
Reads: 5.03
